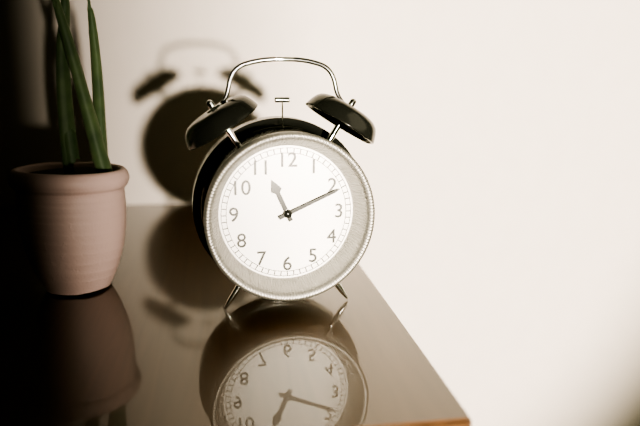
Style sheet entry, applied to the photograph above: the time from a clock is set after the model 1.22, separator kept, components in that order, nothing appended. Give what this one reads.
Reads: 11.11
